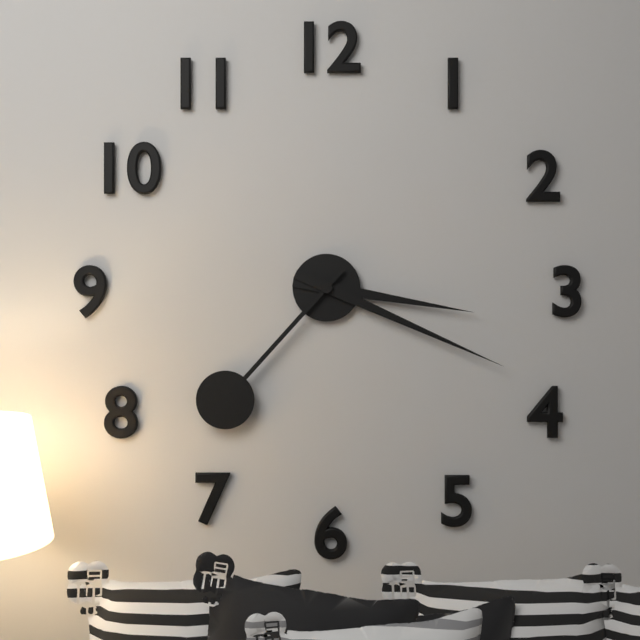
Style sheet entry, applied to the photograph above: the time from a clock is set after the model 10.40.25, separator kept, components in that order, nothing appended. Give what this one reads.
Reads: 3.19.37
